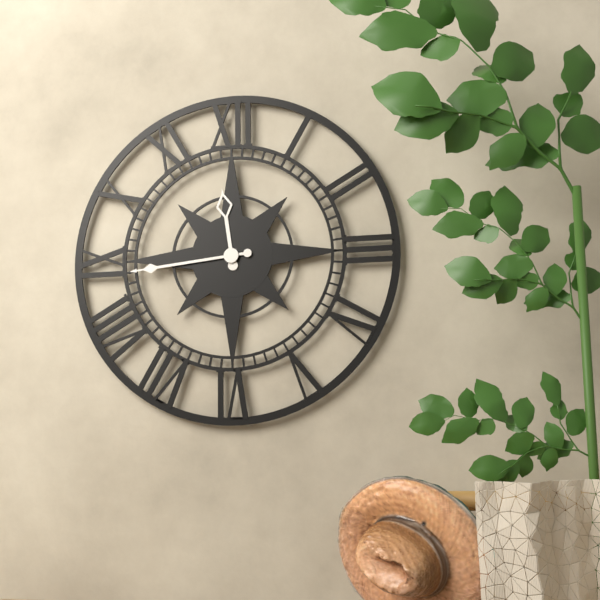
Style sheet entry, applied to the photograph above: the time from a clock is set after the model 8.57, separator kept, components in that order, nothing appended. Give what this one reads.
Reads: 11.44
